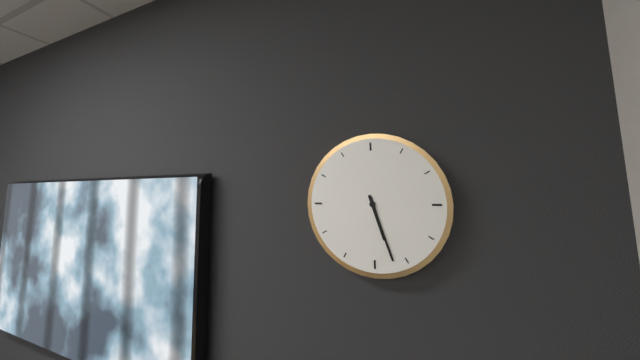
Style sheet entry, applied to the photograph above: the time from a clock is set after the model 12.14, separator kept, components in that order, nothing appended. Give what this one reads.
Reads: 5.27
